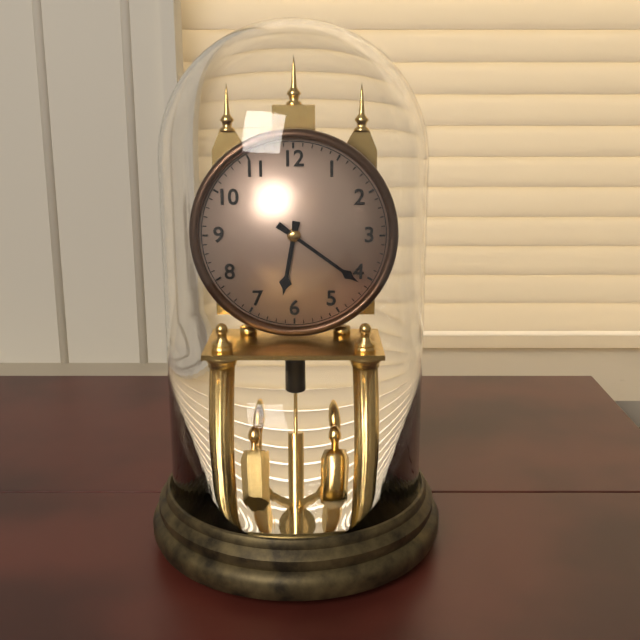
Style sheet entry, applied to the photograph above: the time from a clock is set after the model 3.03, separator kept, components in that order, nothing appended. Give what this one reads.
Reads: 6.21
